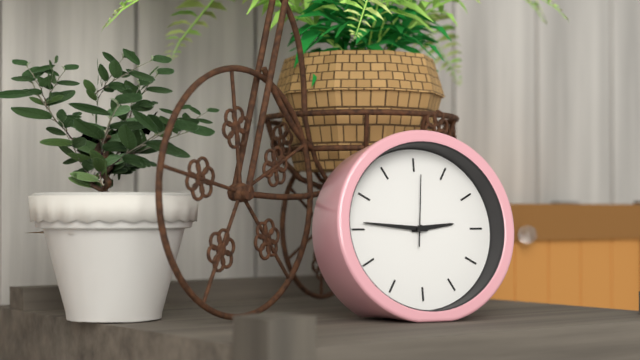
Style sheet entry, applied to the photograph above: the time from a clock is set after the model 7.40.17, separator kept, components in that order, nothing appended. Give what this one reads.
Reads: 2.46.01
